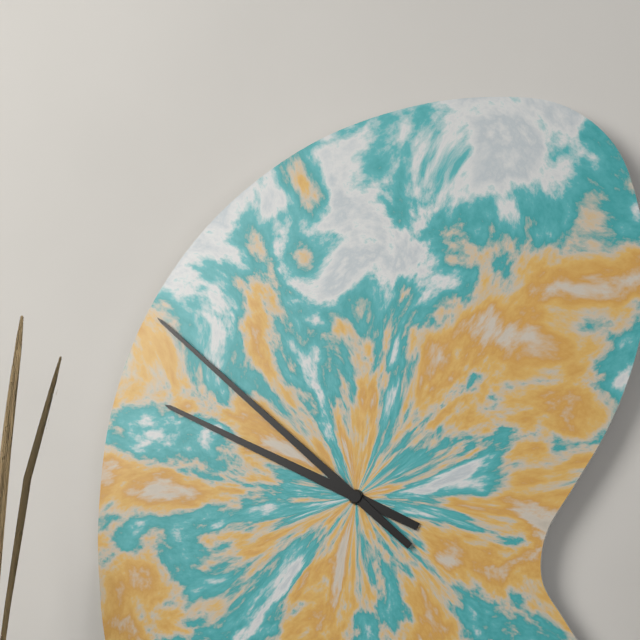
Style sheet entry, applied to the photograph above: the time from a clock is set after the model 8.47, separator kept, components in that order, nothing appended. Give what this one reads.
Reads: 9.52
